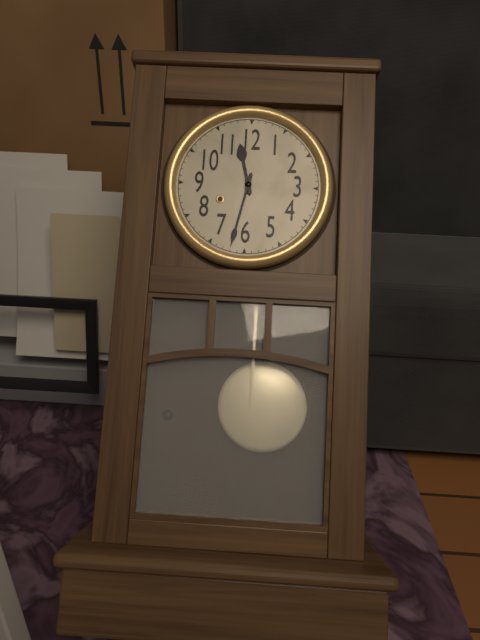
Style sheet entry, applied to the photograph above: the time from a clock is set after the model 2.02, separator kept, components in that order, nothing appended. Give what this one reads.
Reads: 11.32
